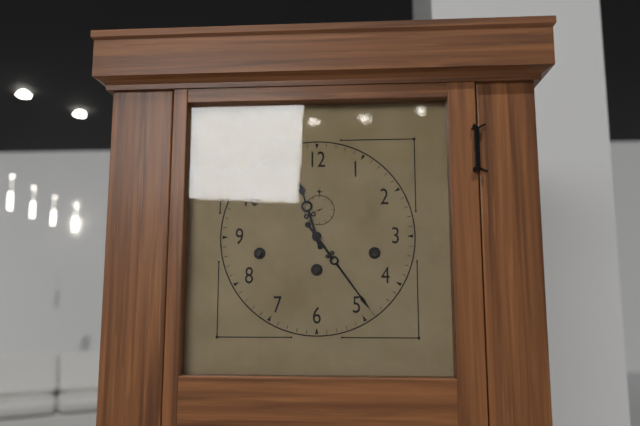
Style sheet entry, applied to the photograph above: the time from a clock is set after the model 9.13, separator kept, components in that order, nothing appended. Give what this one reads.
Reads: 11.24
